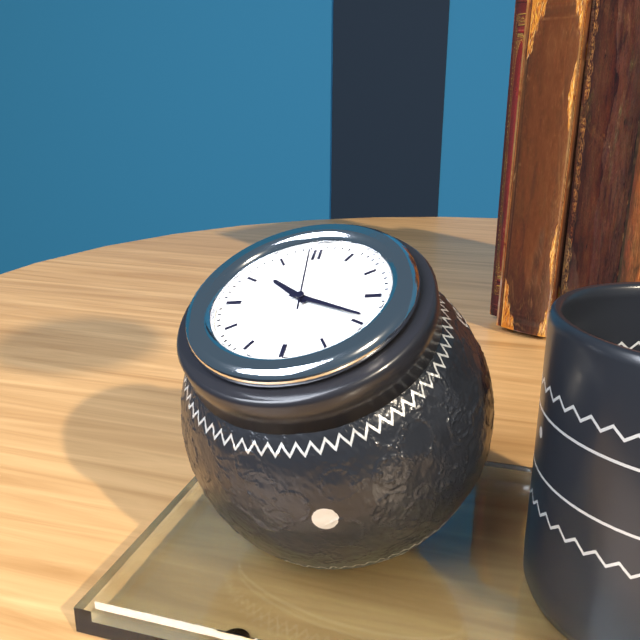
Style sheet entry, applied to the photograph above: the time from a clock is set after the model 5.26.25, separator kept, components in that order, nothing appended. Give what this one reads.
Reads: 10.19.59
